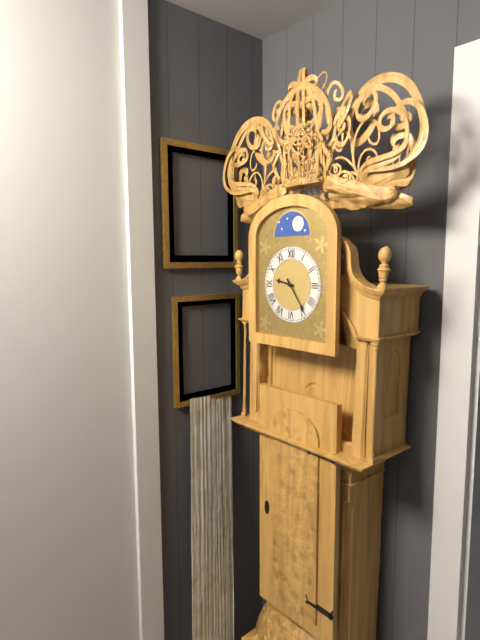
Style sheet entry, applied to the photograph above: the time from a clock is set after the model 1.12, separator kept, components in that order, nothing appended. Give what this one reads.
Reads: 9.24
